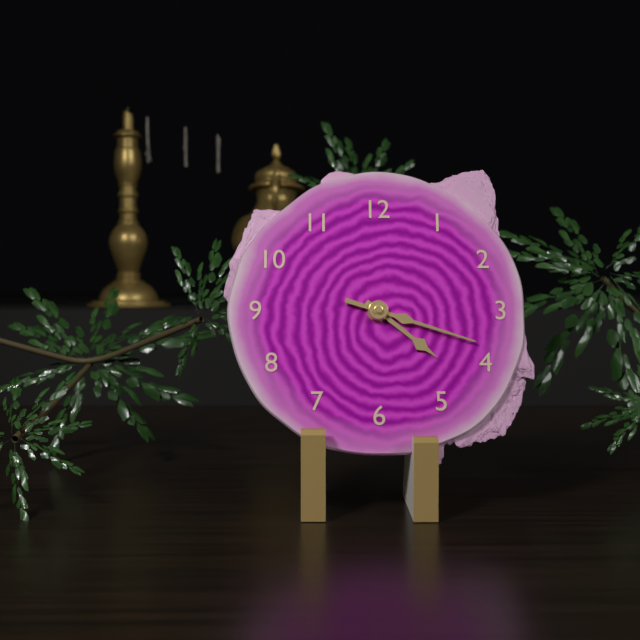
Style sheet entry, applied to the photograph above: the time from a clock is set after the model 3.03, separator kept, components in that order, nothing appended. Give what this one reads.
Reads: 4.18
